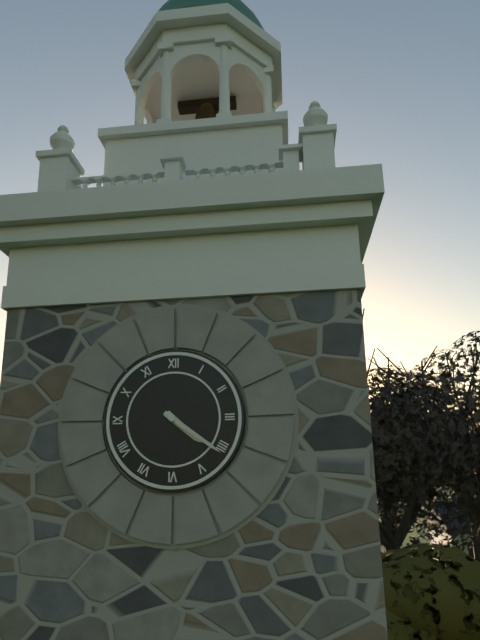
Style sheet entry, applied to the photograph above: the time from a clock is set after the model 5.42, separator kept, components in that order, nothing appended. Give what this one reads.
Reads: 4.21
